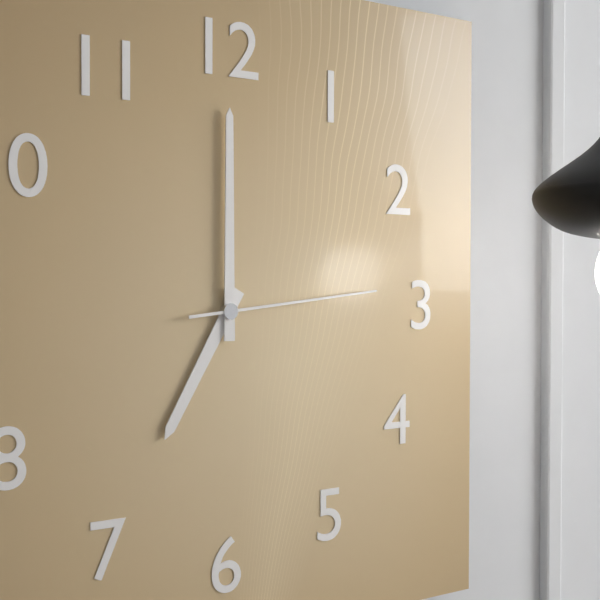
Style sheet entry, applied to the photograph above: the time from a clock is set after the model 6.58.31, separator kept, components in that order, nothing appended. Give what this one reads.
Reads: 7.00.14
